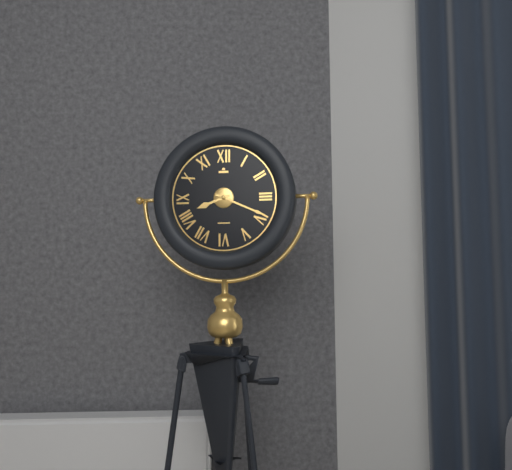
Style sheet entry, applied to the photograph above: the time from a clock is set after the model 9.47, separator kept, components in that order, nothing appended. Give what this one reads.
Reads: 8.19
